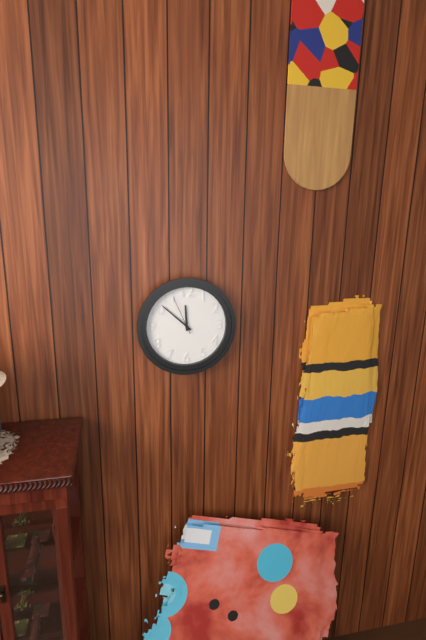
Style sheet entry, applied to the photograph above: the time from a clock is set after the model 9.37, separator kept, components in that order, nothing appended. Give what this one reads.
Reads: 11.52
